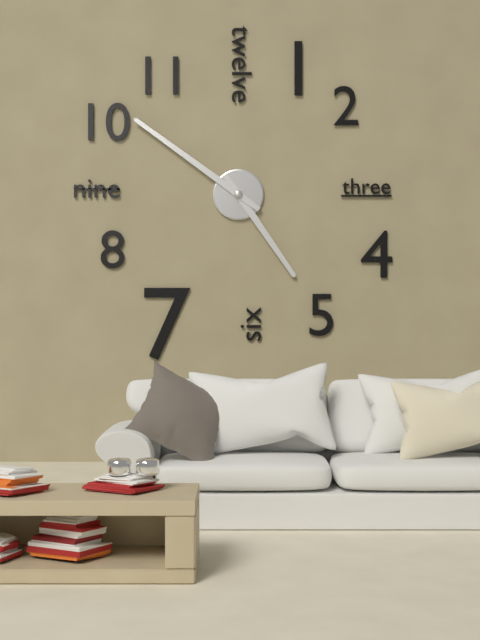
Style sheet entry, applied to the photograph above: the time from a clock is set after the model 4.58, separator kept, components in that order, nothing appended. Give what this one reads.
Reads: 4.51
